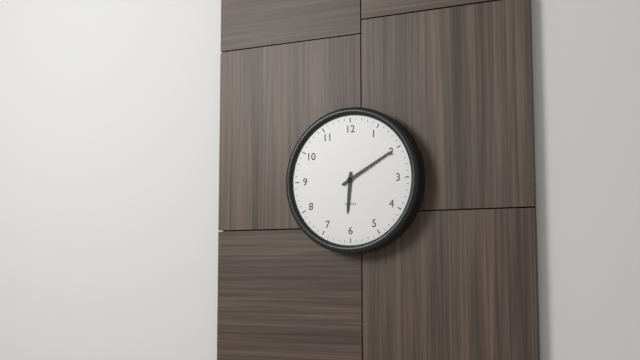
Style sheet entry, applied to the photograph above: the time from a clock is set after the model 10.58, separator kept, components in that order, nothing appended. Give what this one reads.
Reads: 6.10
